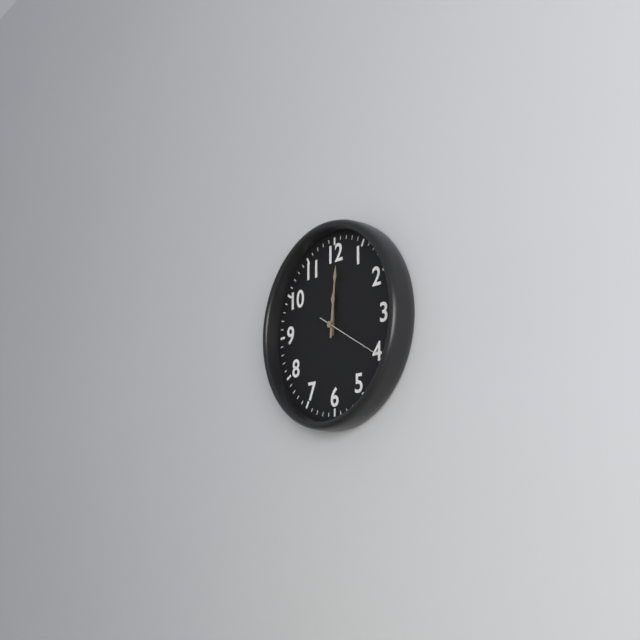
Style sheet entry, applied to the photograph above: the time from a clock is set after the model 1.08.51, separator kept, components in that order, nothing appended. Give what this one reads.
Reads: 12.01.20
